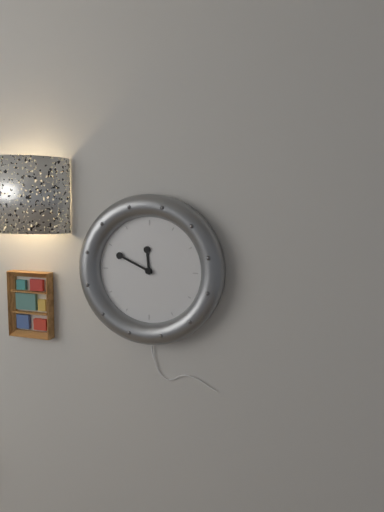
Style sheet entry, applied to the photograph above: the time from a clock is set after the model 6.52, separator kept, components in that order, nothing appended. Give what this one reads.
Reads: 11.49
